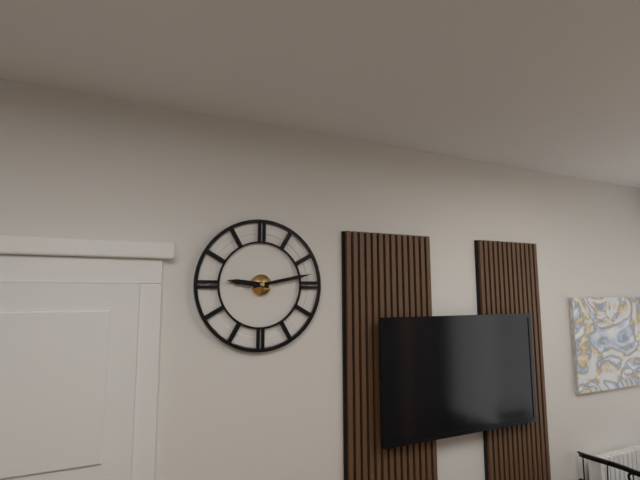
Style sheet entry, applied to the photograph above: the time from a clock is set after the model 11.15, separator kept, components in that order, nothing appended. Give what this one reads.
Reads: 9.13
